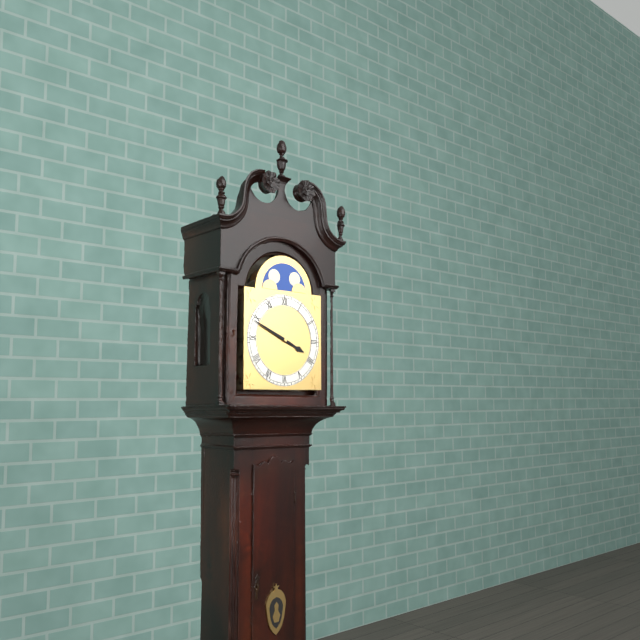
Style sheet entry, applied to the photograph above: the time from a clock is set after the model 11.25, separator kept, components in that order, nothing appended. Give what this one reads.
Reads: 3.49
